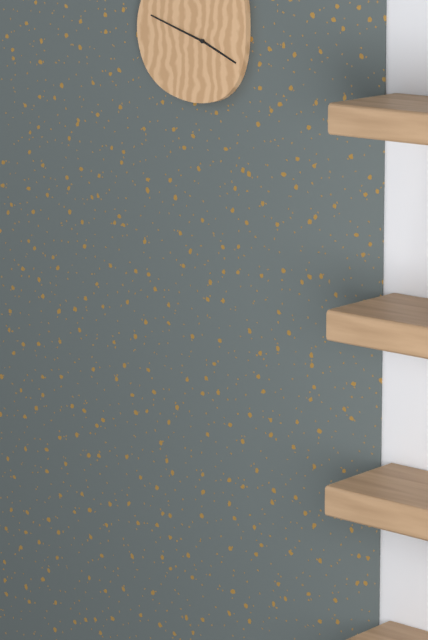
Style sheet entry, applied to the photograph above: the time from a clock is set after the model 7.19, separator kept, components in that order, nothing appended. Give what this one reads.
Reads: 3.48
